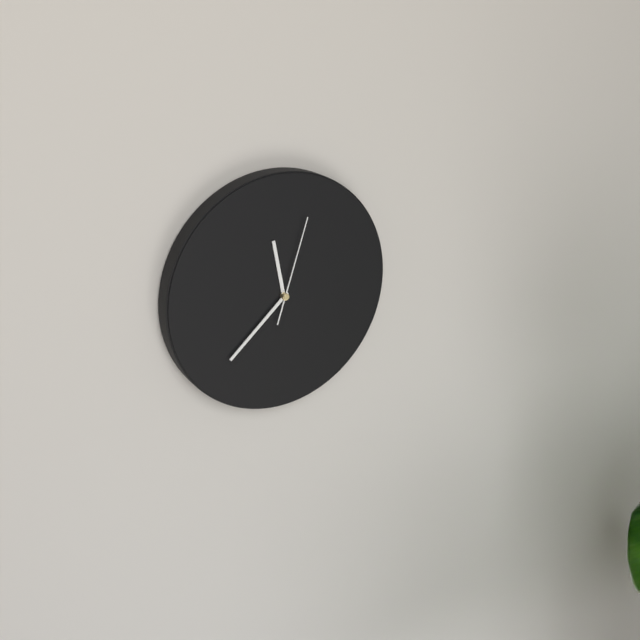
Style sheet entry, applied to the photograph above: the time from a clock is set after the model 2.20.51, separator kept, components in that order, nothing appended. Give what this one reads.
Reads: 11.38.03
